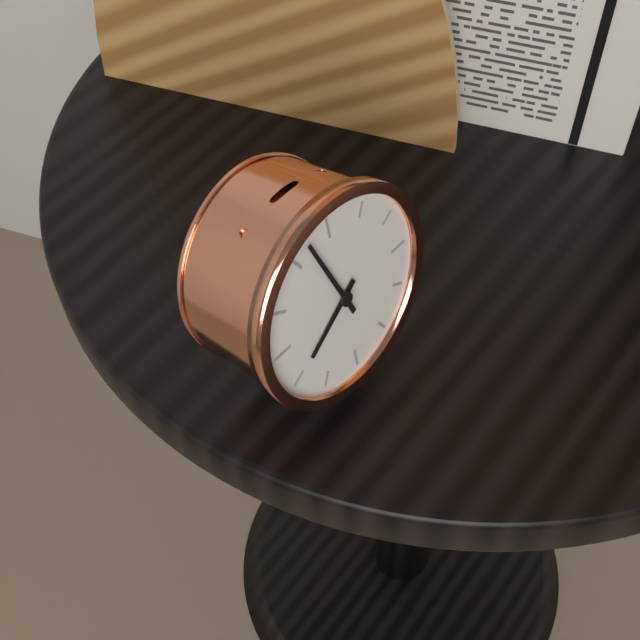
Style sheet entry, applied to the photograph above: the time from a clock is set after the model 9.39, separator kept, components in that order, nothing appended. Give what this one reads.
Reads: 7.57
